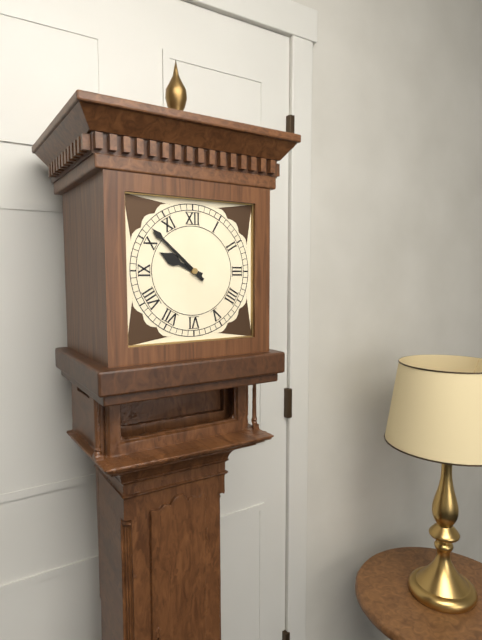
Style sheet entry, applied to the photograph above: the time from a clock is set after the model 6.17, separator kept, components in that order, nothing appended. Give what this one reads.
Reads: 9.52
